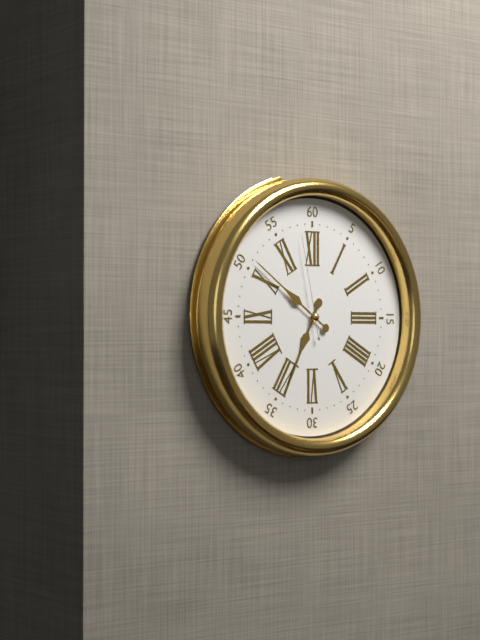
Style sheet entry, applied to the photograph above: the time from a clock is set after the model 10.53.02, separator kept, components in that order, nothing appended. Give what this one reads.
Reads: 6.51.58
